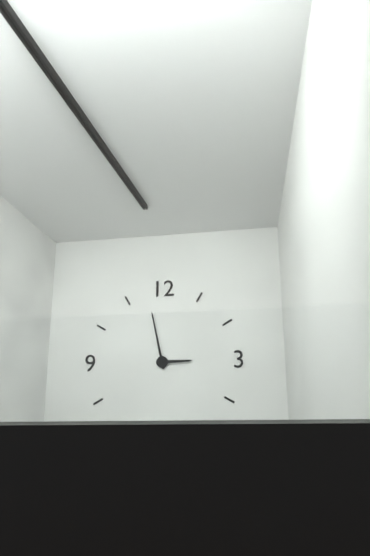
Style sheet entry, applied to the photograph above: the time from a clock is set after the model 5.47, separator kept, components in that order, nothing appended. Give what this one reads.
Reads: 2.58
